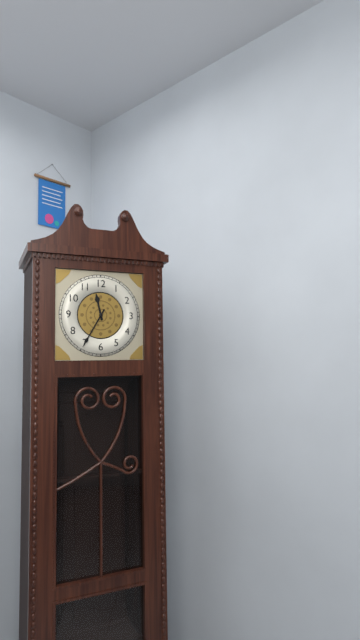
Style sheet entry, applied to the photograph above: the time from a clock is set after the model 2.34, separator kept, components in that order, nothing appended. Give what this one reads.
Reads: 11.35
